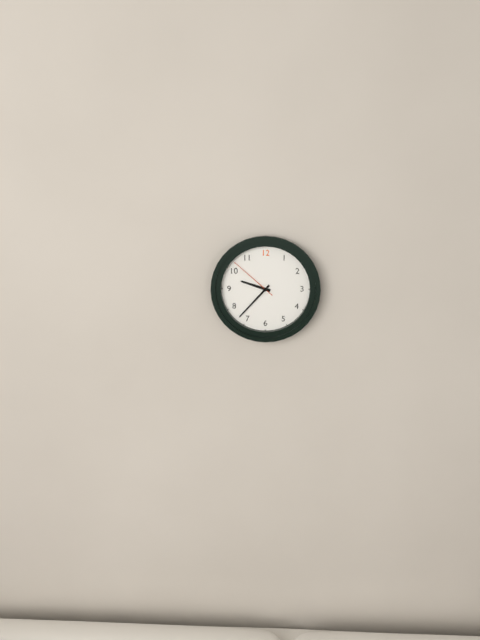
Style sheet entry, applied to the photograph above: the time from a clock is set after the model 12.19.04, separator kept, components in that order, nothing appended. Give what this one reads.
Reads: 9.37.52
